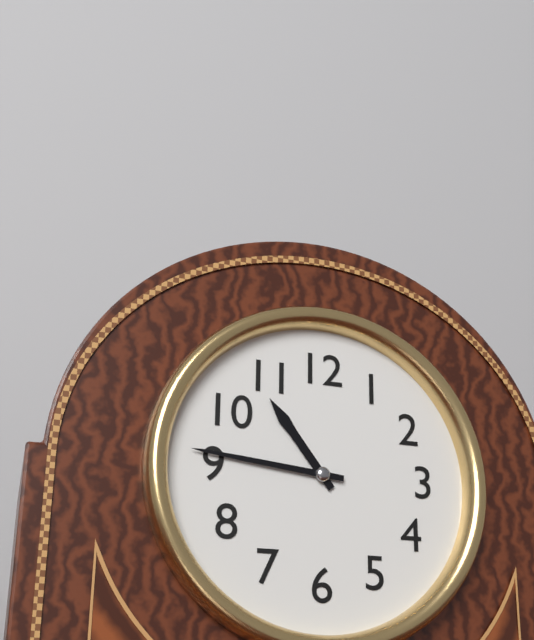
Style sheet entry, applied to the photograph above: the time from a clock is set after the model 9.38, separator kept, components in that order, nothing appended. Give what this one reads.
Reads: 10.46
